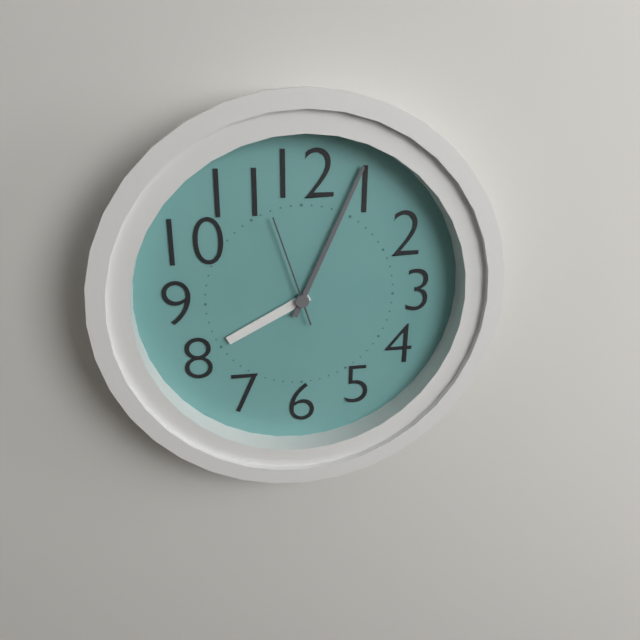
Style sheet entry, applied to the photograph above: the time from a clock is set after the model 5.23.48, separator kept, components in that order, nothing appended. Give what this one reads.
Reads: 8.04.57
